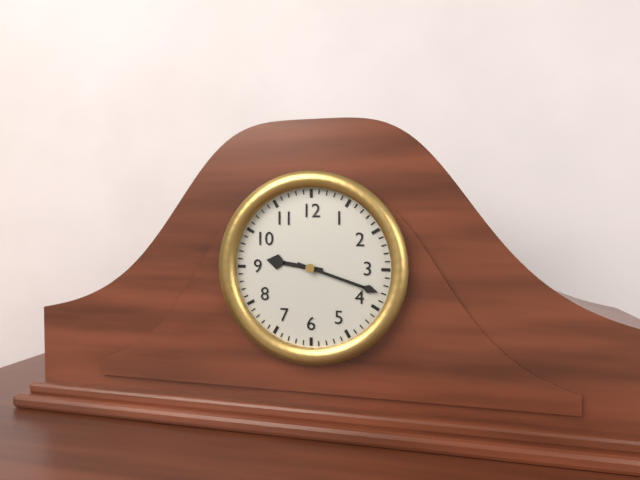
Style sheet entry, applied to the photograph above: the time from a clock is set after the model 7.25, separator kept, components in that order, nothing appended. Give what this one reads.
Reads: 9.18
